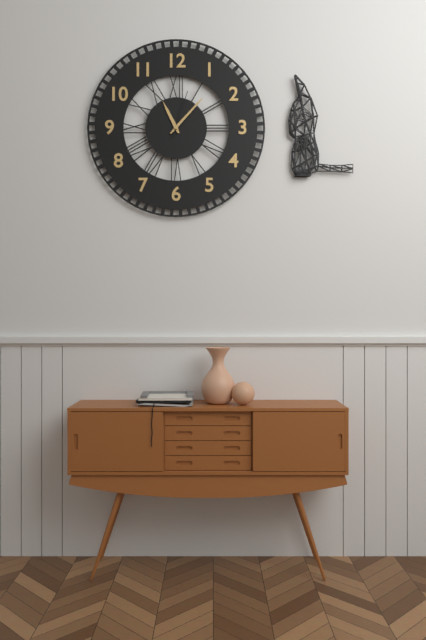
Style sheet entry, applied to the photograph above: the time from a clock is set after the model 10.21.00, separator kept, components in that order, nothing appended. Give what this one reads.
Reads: 11.07.03
